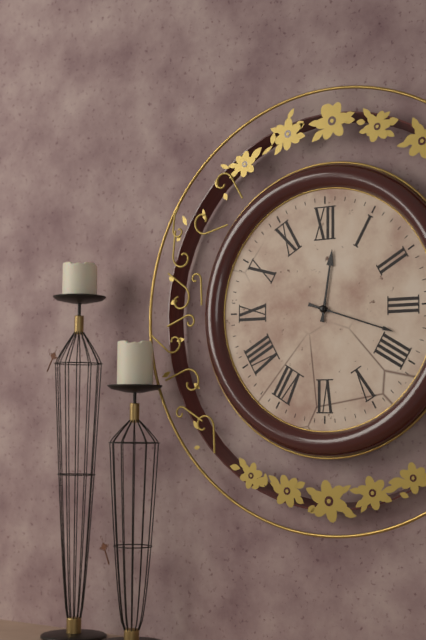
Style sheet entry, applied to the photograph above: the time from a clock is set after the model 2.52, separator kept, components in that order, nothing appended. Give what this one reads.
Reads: 12.18
